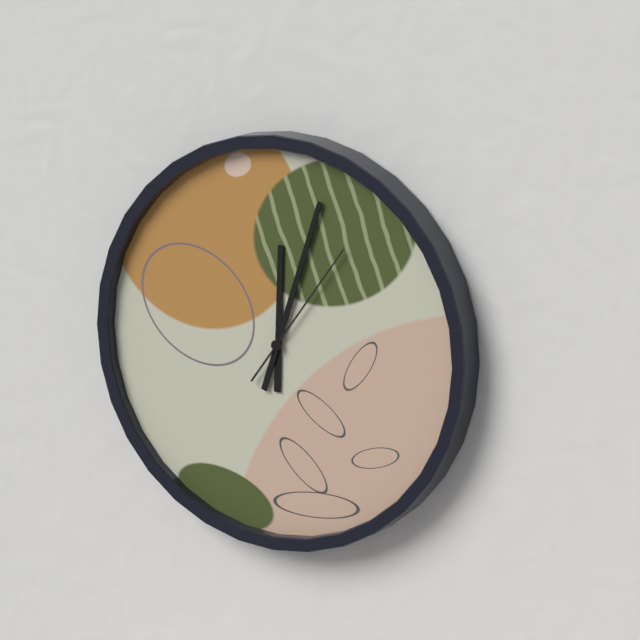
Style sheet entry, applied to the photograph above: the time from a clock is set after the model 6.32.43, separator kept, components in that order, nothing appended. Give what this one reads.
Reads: 12.03.06
